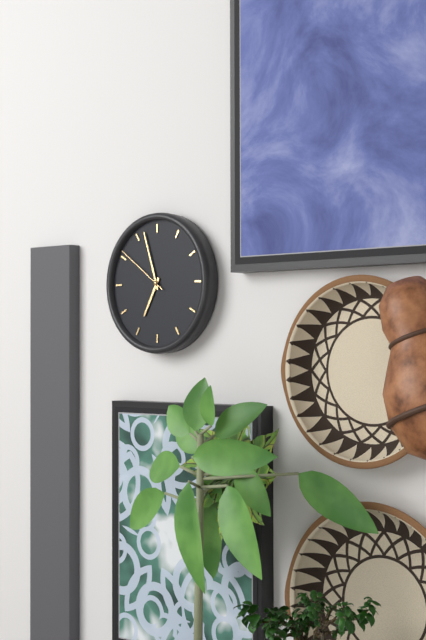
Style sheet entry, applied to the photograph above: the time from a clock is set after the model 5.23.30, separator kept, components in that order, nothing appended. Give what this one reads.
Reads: 6.57.51
